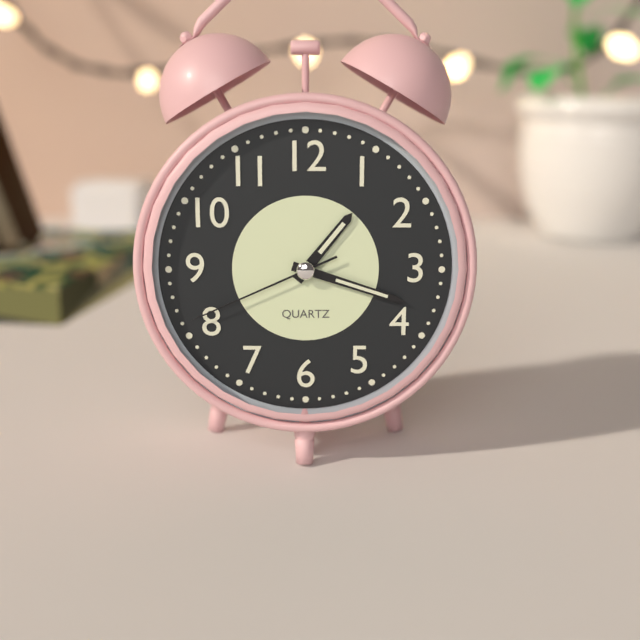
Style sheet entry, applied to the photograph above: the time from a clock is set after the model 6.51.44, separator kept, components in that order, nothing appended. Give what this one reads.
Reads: 1.18.41
